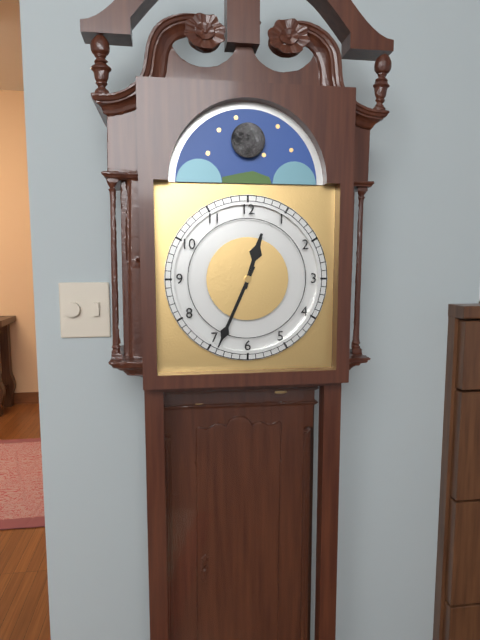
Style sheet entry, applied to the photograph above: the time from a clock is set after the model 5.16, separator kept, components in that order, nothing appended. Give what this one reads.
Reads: 12.34
